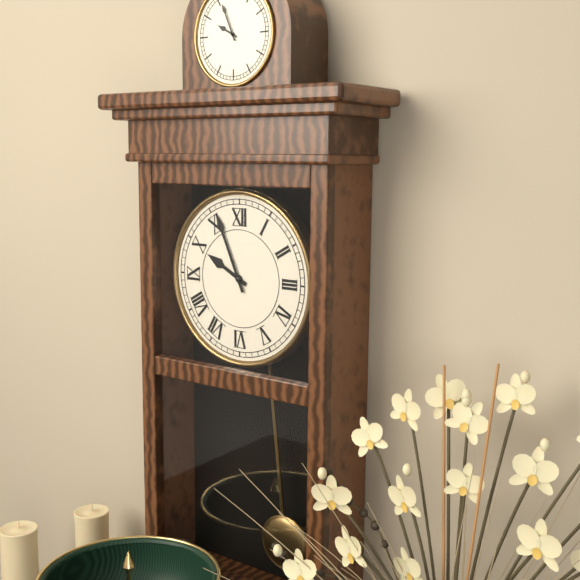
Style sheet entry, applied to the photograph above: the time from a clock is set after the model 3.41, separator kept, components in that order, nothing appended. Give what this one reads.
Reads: 9.56
